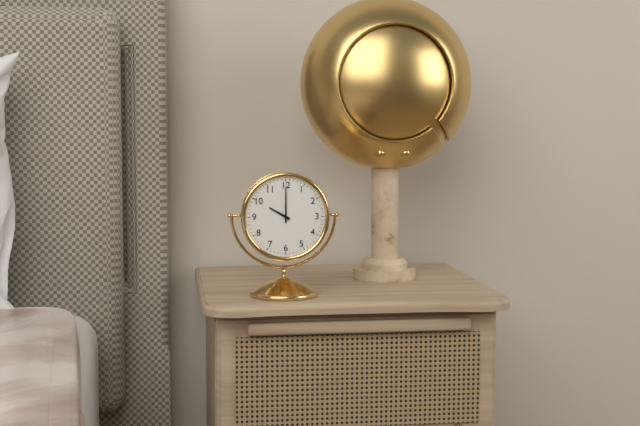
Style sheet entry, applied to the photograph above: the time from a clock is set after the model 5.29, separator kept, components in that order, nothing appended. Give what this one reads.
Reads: 10.00
